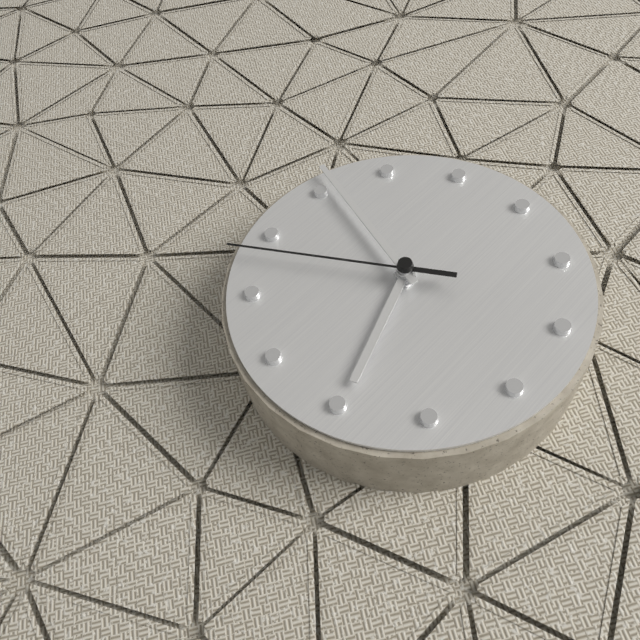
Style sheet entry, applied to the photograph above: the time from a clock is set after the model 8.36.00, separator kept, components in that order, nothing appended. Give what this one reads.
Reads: 6.56.48
